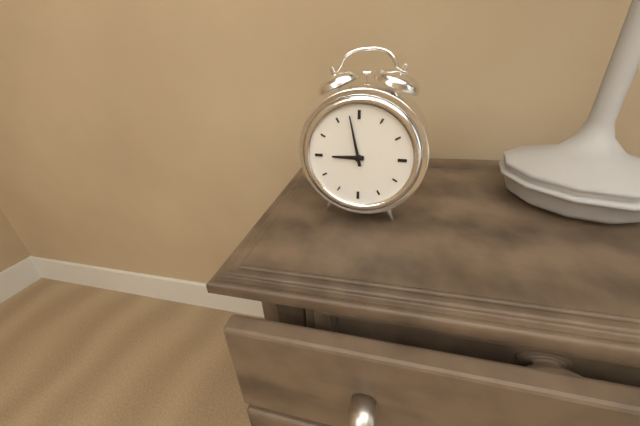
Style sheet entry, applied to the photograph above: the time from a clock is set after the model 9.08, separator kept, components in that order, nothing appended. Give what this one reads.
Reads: 8.58
